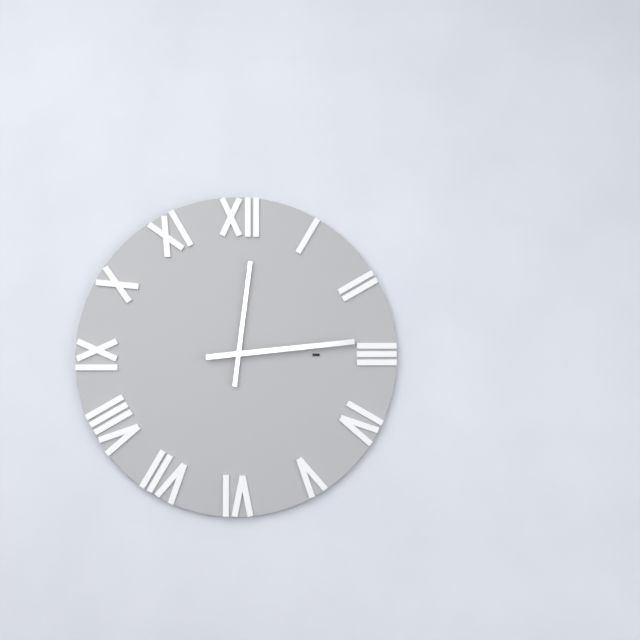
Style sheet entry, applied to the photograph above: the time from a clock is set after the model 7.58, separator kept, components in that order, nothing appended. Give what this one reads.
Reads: 12.14
